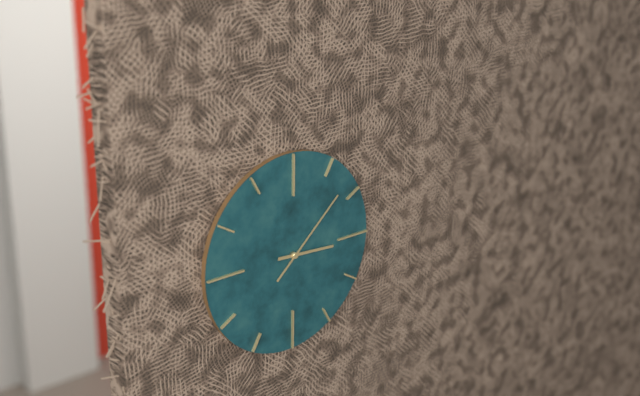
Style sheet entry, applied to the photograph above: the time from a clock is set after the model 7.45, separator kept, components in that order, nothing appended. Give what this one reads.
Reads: 3.08
